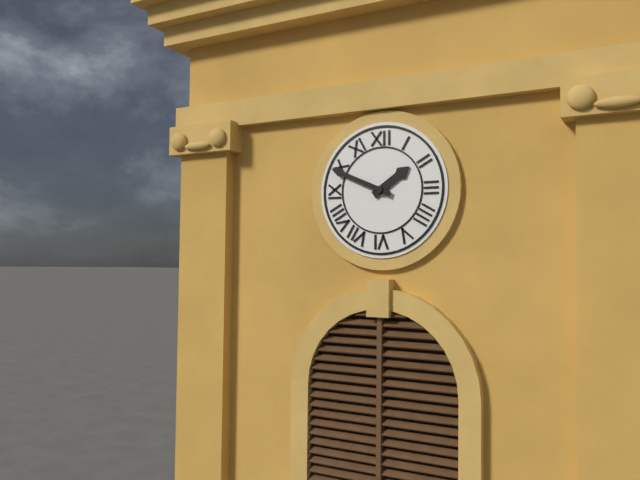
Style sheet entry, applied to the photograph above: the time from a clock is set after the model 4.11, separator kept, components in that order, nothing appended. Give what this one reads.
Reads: 1.49
